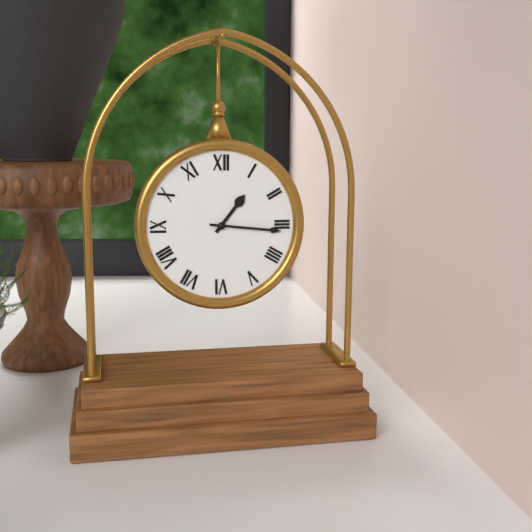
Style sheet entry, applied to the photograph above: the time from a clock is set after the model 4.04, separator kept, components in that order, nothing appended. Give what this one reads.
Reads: 1.16
